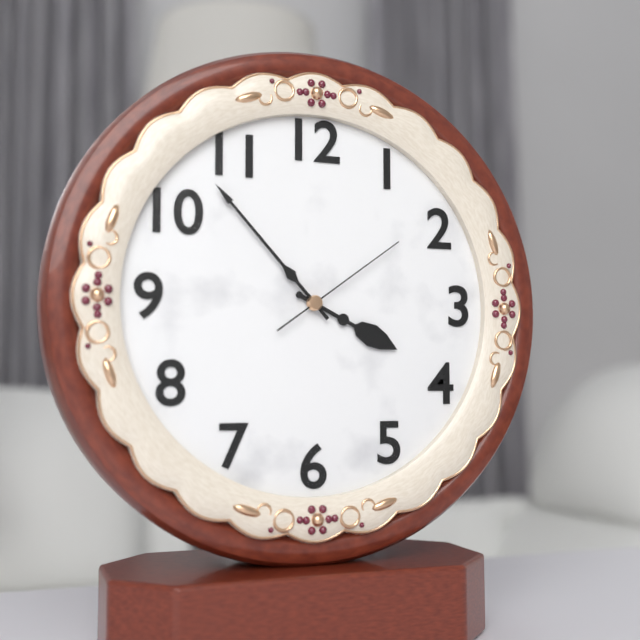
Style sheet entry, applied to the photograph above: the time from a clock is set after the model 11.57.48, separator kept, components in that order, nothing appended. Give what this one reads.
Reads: 3.53.09
